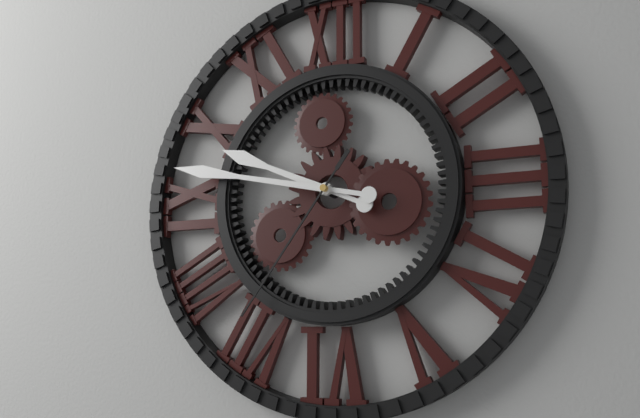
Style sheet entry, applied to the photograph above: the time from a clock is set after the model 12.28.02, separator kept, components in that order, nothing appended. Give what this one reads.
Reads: 9.47.36
